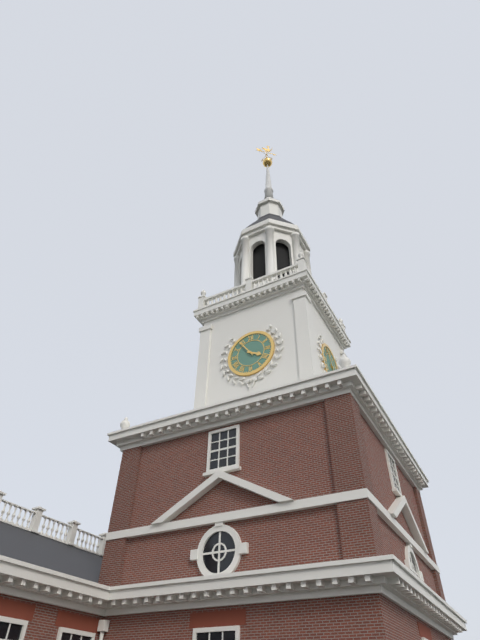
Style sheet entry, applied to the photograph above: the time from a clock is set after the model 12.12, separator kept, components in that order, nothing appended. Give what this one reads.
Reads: 3.54
